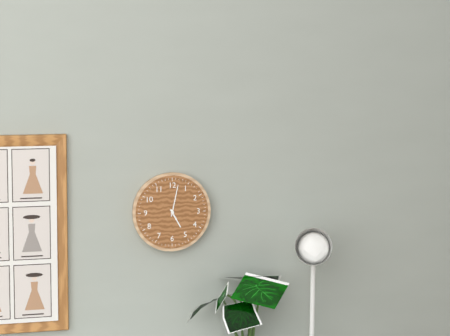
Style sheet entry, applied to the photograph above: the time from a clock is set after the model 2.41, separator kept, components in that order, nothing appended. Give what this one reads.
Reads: 5.02
